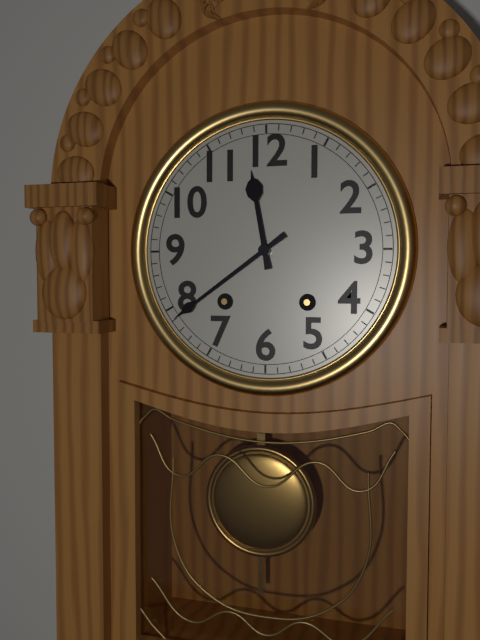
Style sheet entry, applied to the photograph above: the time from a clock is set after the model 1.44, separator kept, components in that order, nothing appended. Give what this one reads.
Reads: 11.39
